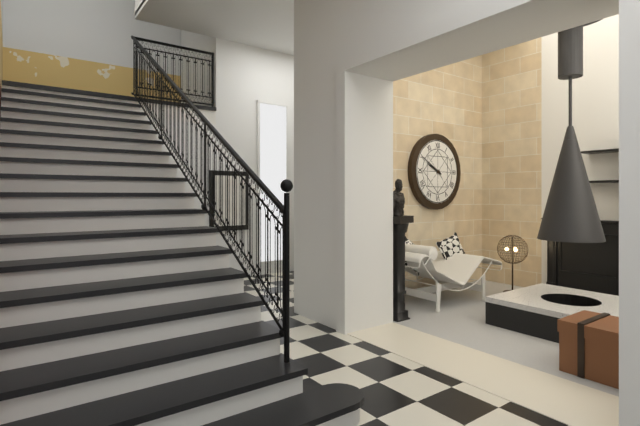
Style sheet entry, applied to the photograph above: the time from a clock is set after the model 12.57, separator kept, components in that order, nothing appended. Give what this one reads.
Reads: 9.50
